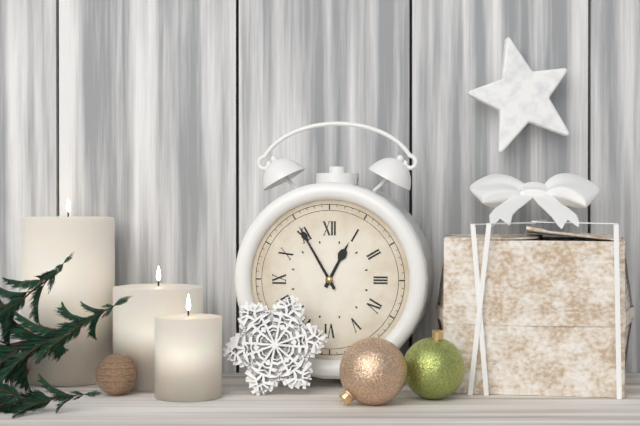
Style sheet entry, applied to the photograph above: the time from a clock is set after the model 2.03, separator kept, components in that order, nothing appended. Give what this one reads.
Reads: 12.55
